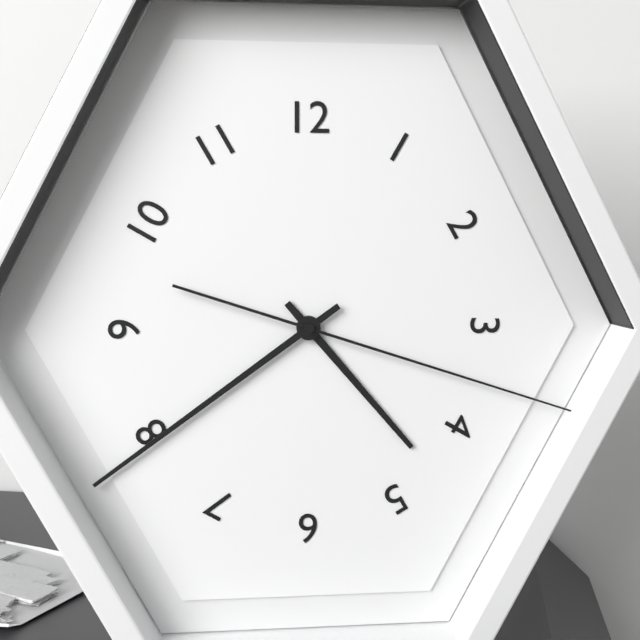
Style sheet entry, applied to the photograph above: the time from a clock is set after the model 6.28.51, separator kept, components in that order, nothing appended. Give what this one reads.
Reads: 4.39.18
